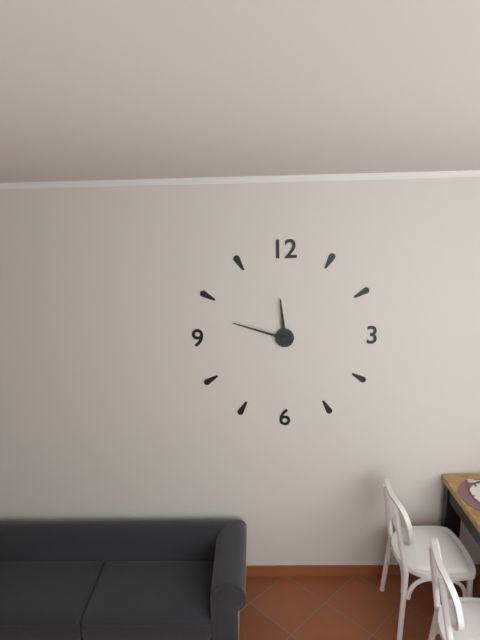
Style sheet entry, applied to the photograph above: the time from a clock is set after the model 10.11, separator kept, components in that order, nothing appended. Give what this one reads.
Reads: 11.48
